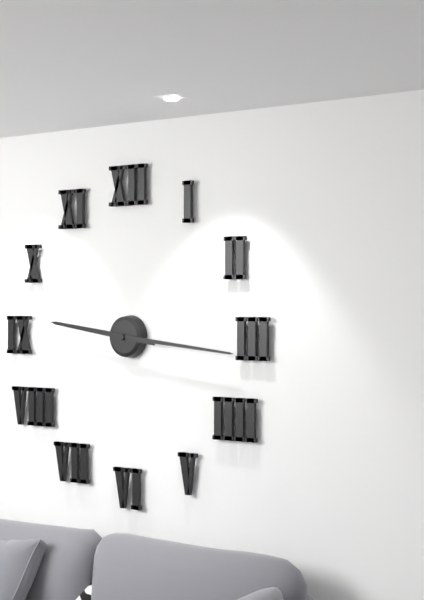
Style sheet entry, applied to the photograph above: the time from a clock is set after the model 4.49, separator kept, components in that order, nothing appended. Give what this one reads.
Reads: 9.16
